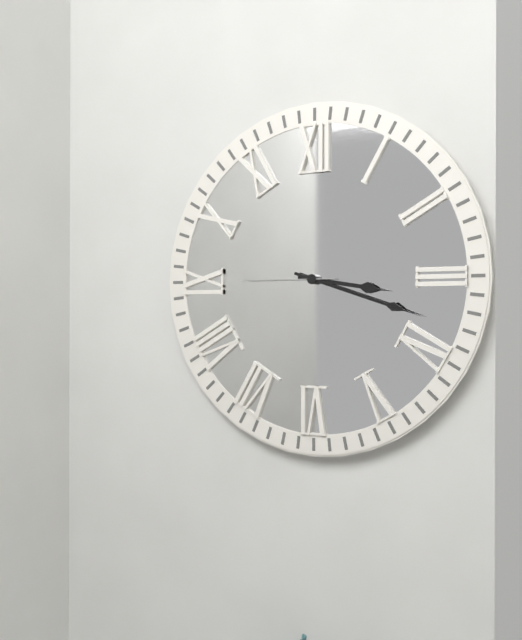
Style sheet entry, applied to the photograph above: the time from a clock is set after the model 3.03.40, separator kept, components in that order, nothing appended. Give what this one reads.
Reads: 3.18.45
